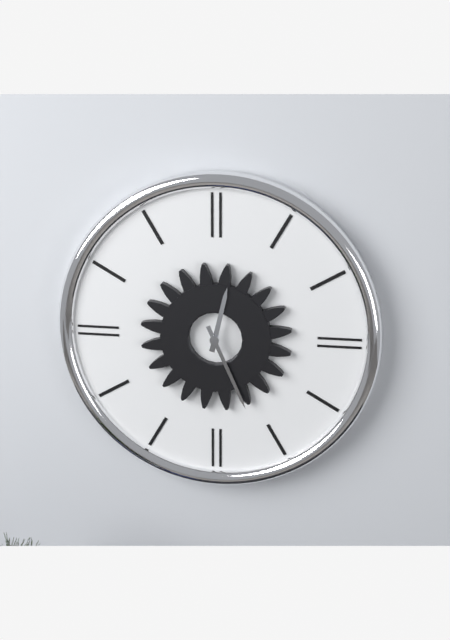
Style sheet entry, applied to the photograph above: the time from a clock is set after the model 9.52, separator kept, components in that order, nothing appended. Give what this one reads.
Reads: 12.26
